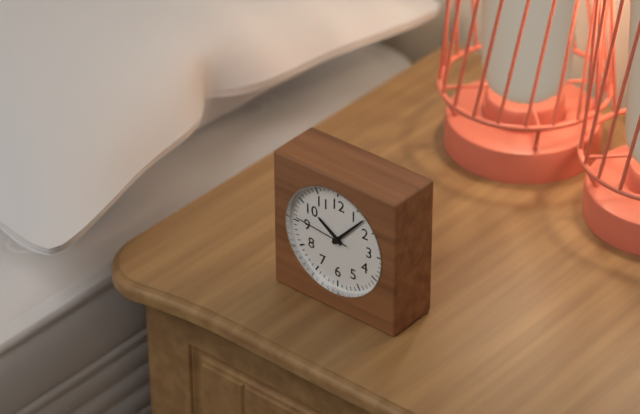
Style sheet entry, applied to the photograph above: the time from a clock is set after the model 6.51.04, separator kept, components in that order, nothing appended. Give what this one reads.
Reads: 10.07.46
